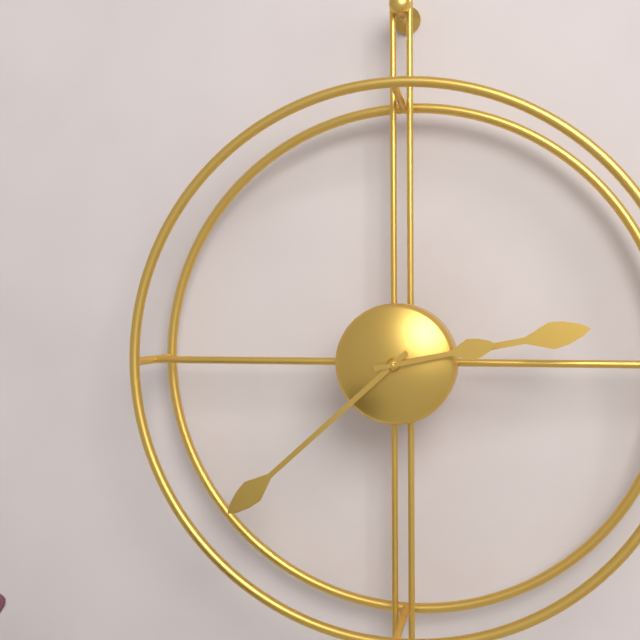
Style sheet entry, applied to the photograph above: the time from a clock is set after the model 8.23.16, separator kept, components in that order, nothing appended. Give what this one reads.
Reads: 2.38.13
